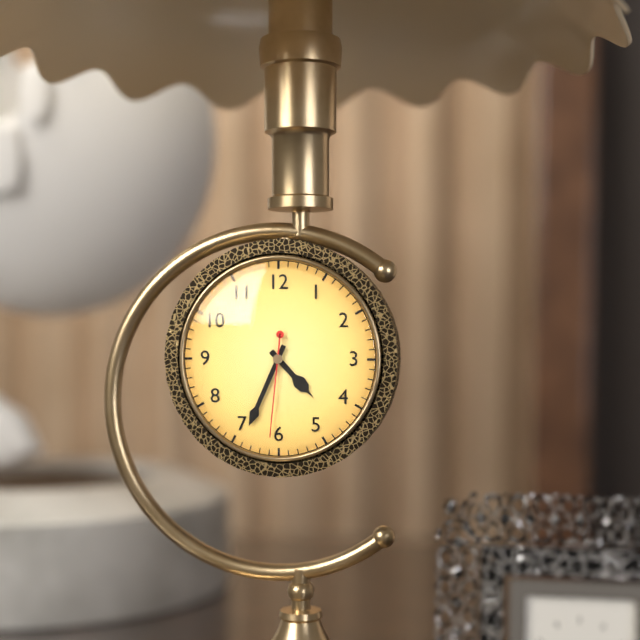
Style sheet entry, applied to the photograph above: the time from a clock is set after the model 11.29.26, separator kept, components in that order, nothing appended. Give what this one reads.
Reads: 4.34.31
